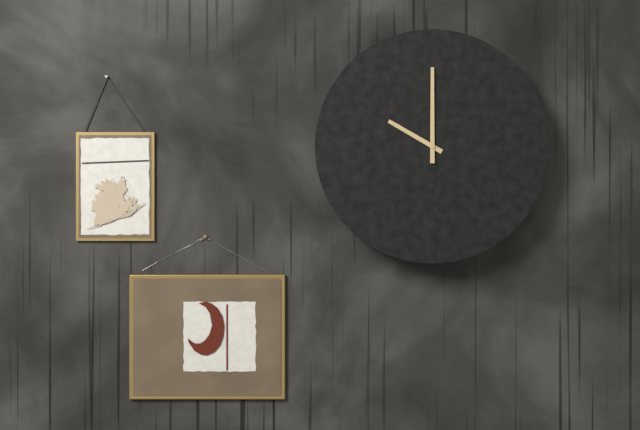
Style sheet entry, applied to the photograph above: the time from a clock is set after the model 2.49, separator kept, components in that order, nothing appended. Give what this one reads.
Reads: 10.00
